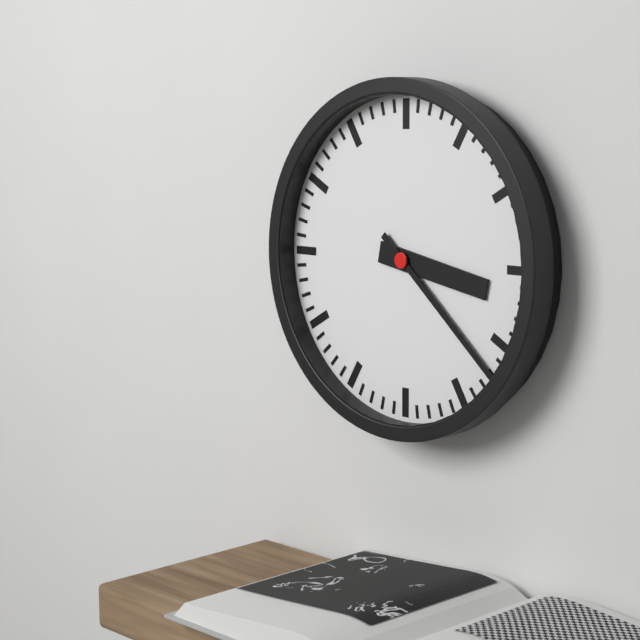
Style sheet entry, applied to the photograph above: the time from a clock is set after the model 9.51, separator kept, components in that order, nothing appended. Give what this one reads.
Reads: 3.22
